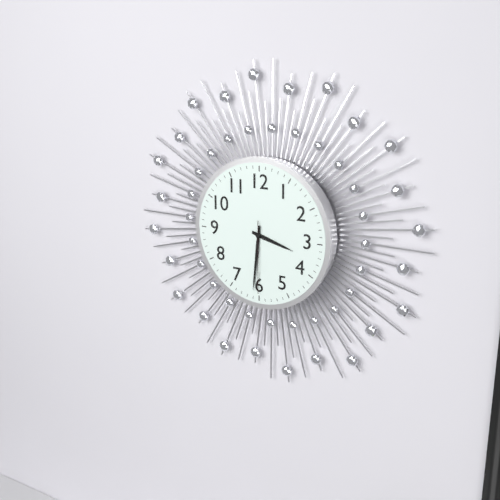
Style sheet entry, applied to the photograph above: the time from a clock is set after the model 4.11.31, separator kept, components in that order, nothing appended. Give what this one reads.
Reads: 3.31.30
